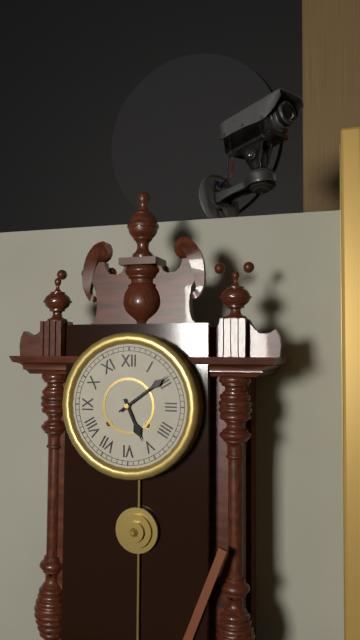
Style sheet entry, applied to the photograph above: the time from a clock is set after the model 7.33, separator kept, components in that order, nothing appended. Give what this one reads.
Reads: 5.09
